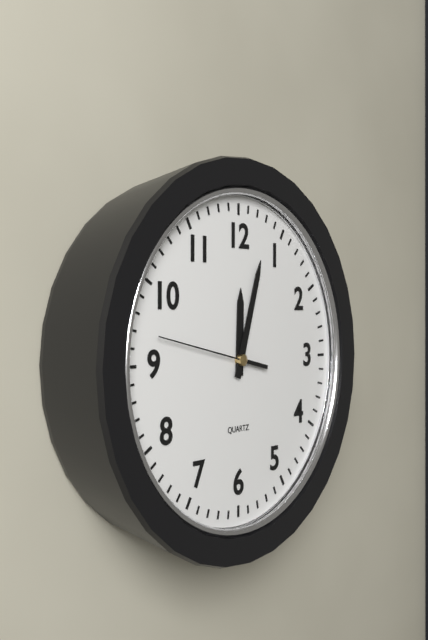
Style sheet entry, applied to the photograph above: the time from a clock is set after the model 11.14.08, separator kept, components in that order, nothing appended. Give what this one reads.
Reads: 12.03.47
